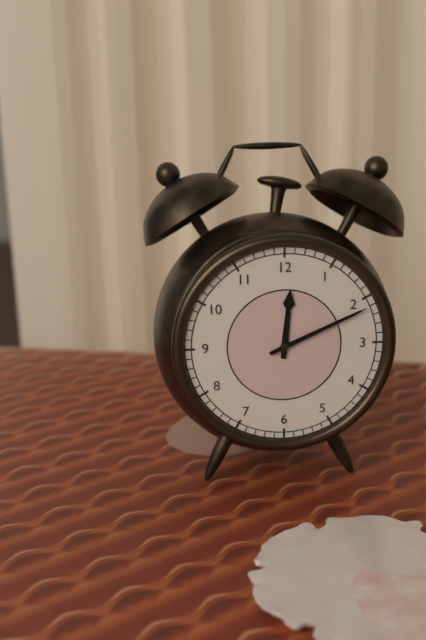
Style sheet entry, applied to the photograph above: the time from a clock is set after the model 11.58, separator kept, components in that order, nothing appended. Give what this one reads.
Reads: 12.11
